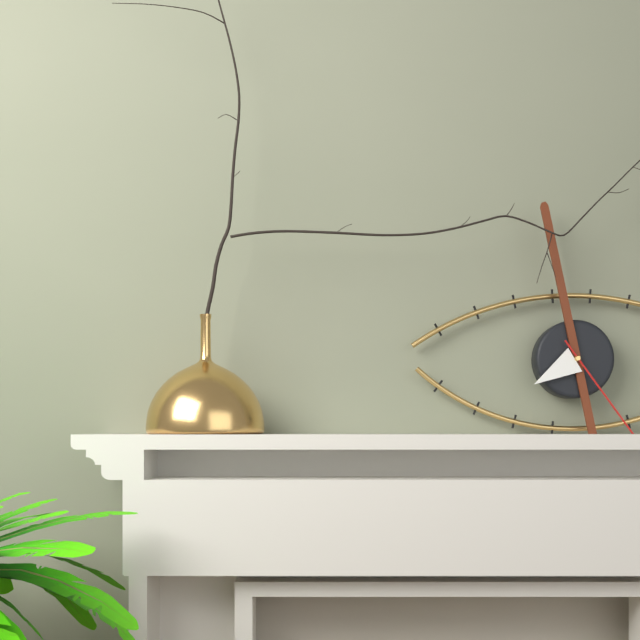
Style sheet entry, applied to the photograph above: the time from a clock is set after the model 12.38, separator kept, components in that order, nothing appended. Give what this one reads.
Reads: 7.58
